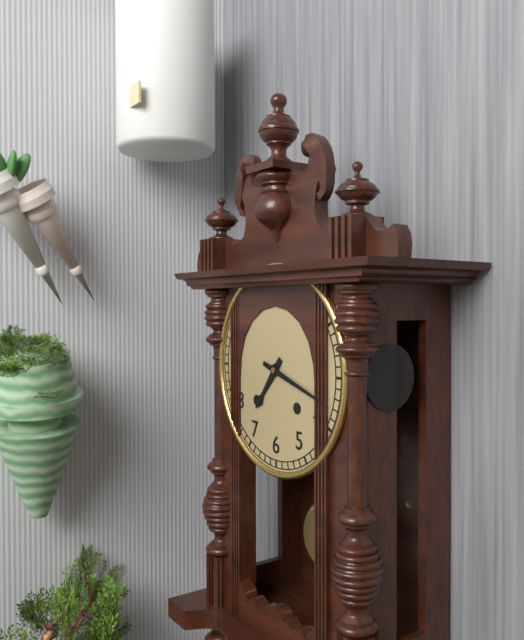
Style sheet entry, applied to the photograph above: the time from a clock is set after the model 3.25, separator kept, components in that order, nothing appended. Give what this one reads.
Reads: 7.18
